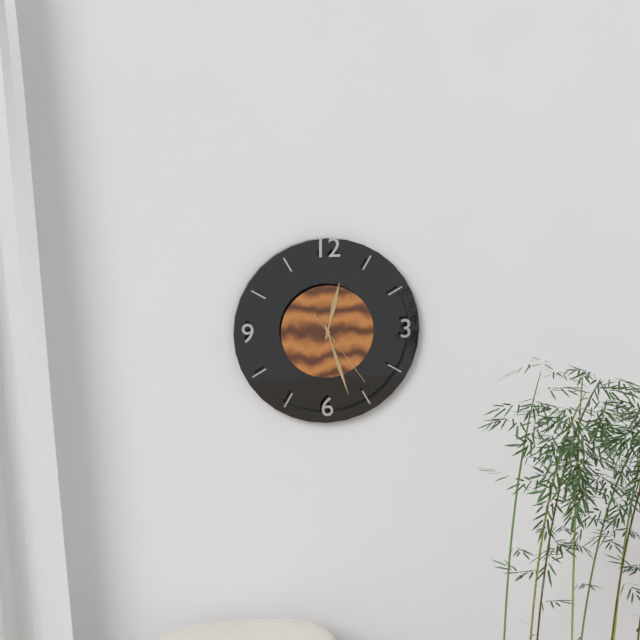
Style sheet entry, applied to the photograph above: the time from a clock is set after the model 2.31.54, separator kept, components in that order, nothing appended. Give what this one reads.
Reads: 12.27.24
